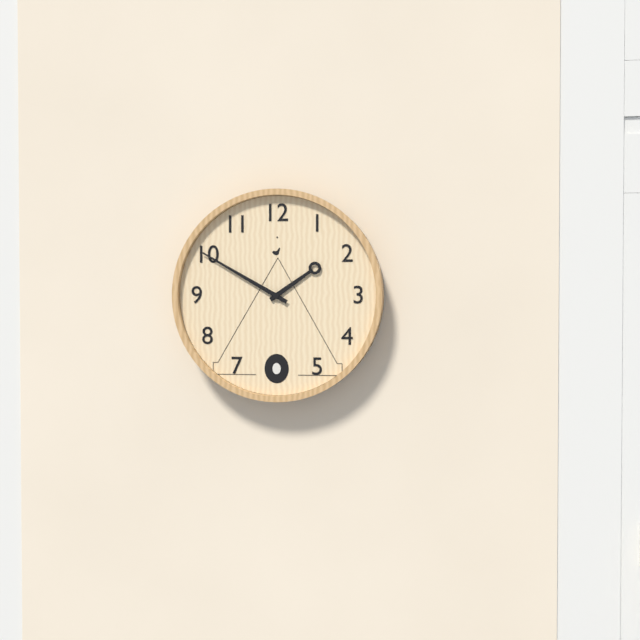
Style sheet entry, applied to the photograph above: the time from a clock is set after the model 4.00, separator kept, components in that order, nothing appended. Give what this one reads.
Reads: 1.50
